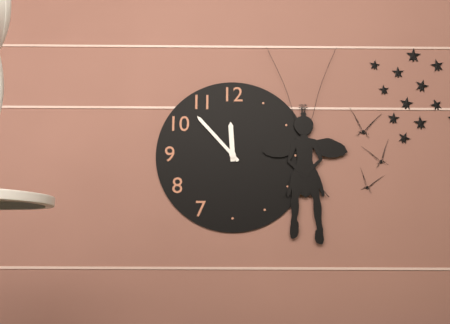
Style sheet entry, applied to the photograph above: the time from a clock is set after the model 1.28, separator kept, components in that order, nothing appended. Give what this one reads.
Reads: 11.53
